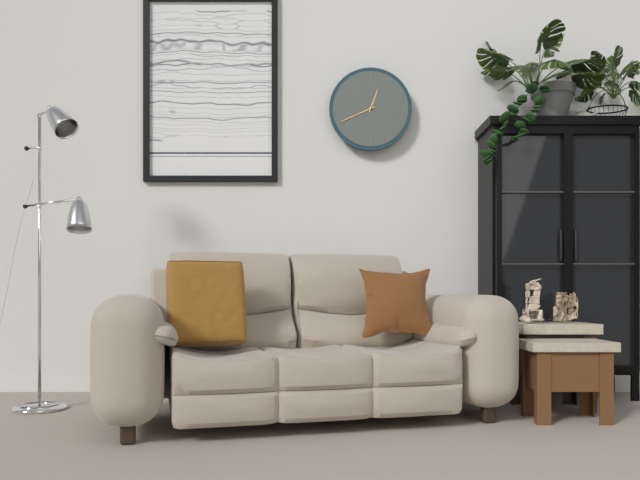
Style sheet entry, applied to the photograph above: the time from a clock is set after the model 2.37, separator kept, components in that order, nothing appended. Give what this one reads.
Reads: 12.41
